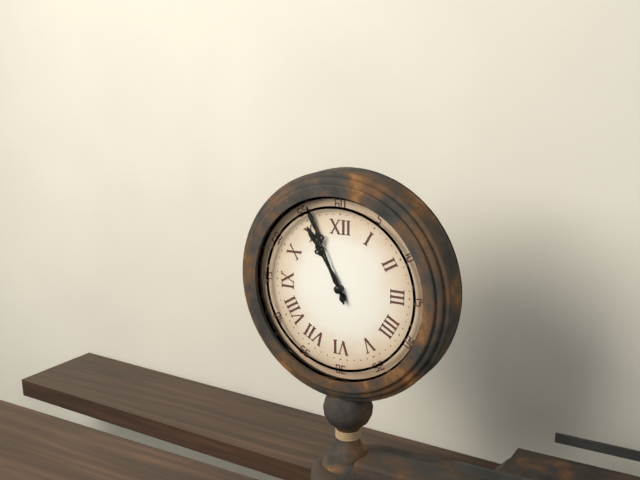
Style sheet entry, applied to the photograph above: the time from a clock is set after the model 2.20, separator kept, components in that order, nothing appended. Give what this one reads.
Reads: 10.56
